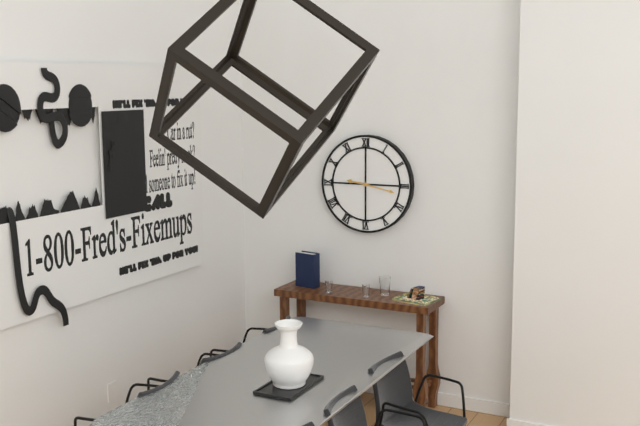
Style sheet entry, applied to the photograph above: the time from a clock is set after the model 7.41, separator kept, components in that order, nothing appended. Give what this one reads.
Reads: 9.17
